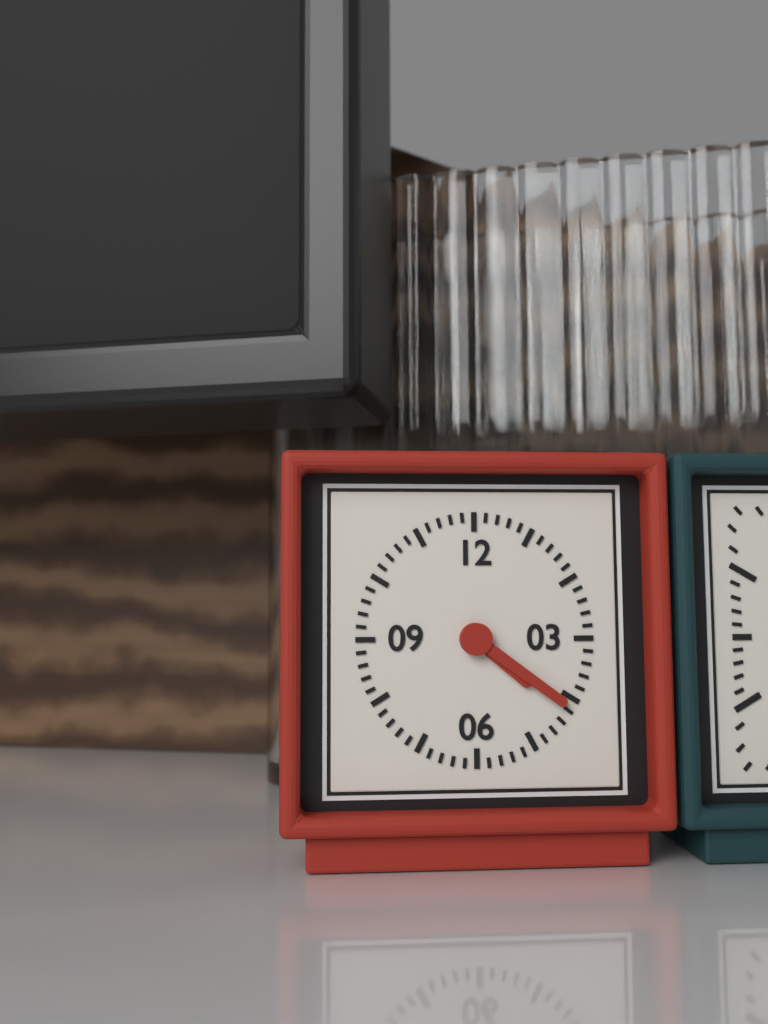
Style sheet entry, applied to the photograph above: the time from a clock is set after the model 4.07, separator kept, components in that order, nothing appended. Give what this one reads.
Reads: 4.21
